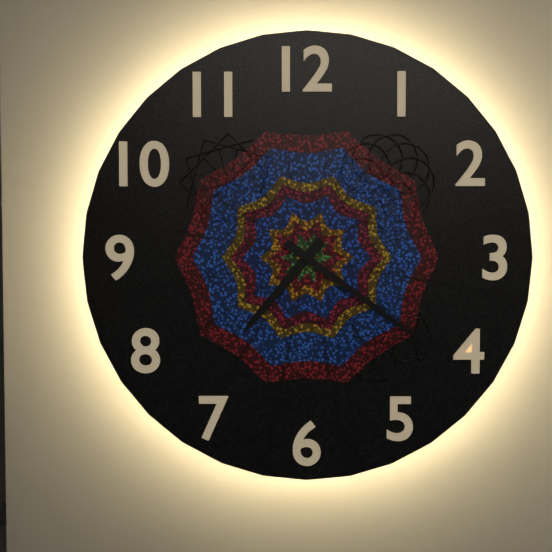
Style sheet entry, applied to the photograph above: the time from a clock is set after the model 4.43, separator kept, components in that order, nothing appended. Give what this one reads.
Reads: 7.21
